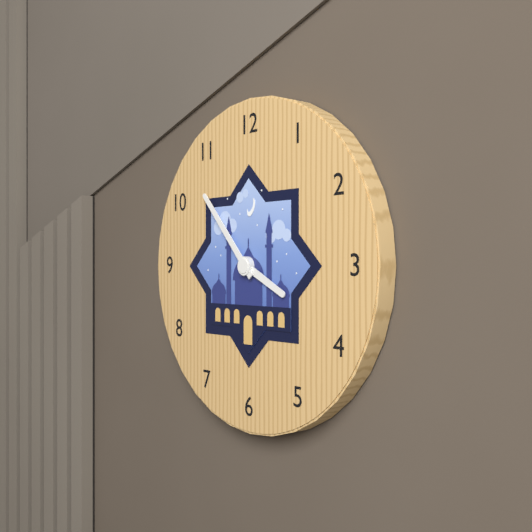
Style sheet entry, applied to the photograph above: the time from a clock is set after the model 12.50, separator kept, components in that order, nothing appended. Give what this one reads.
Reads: 3.53
